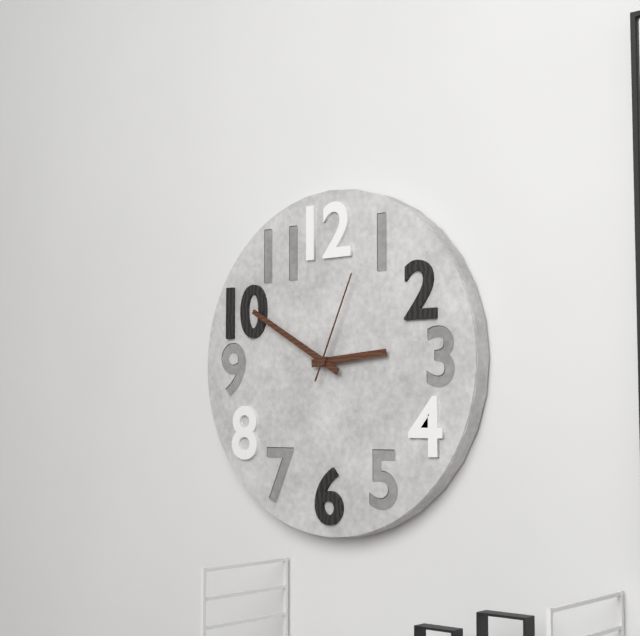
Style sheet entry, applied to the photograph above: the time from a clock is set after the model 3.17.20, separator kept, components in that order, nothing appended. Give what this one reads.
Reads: 2.50.04
